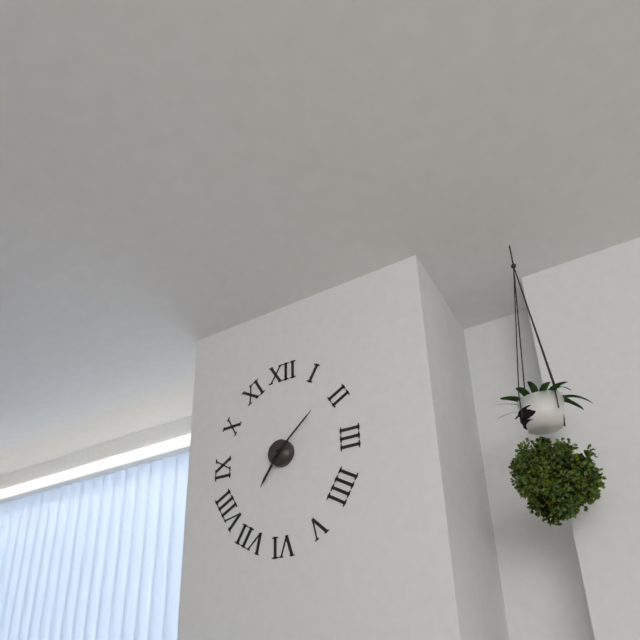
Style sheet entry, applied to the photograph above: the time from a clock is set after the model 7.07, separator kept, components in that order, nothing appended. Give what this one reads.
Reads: 7.08
